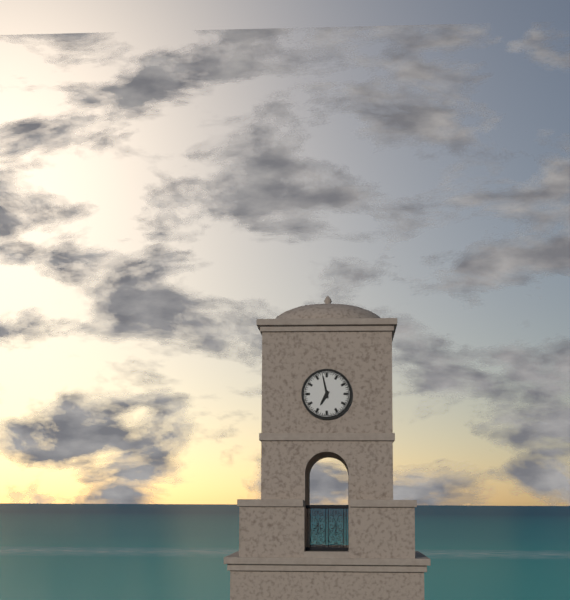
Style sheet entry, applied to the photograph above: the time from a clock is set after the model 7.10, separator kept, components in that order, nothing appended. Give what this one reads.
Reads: 6.58
